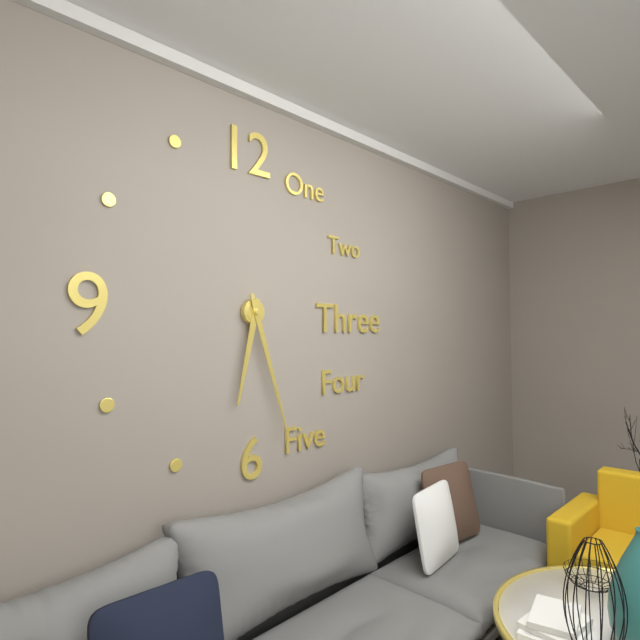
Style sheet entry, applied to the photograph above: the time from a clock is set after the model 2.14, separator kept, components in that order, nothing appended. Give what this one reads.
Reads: 6.27
